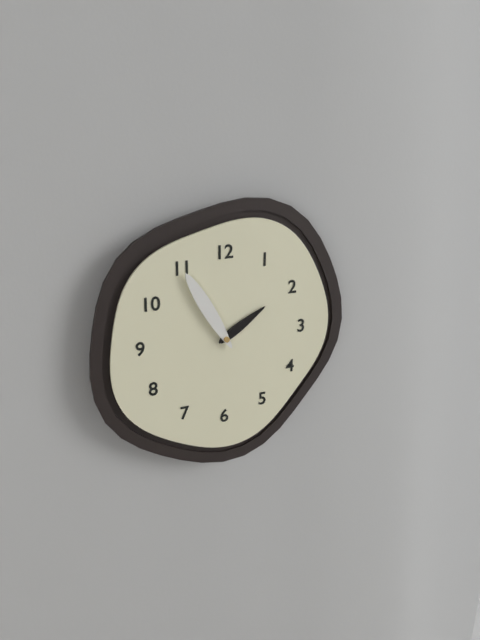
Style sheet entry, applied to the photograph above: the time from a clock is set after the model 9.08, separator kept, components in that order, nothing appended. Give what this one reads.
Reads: 1.55
